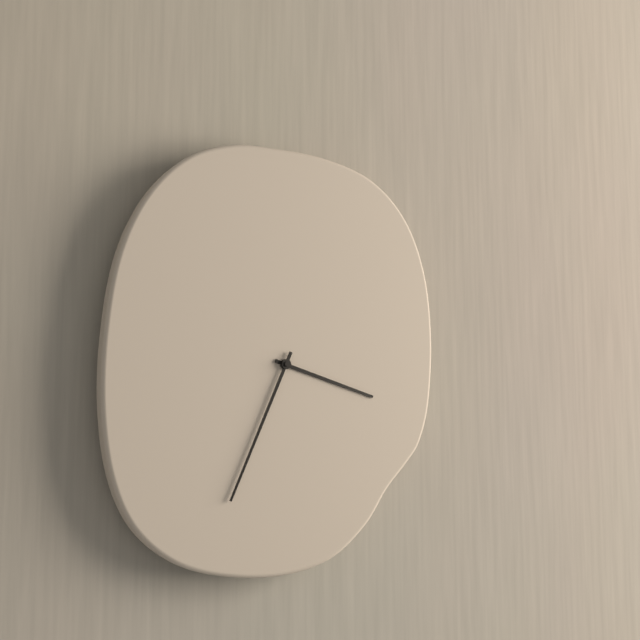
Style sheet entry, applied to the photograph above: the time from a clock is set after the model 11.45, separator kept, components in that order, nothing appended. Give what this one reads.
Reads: 3.34
